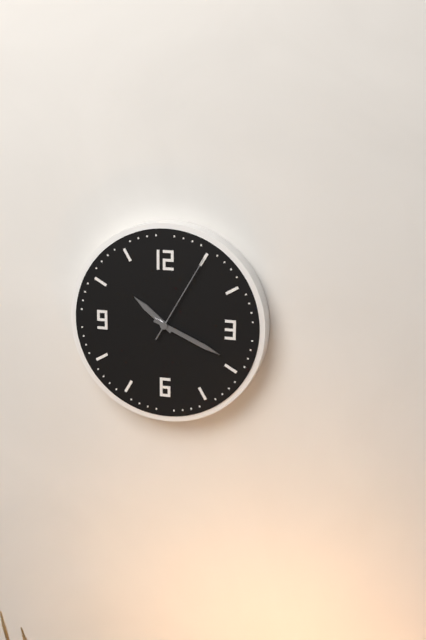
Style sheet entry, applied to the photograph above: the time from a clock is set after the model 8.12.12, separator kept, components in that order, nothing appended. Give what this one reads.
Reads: 10.19.05
